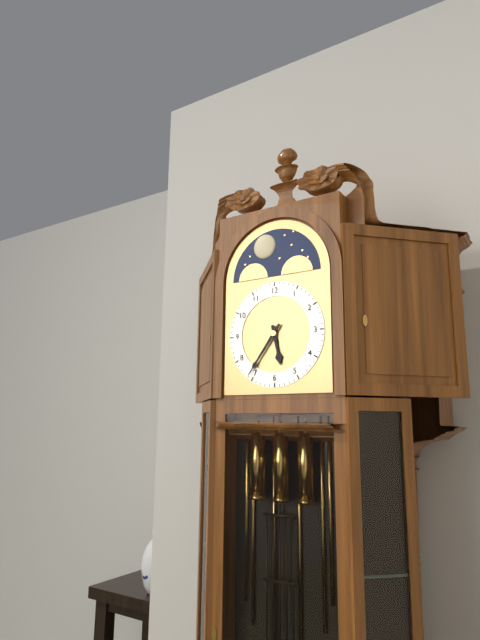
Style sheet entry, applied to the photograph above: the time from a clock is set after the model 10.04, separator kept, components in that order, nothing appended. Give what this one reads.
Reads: 5.36
